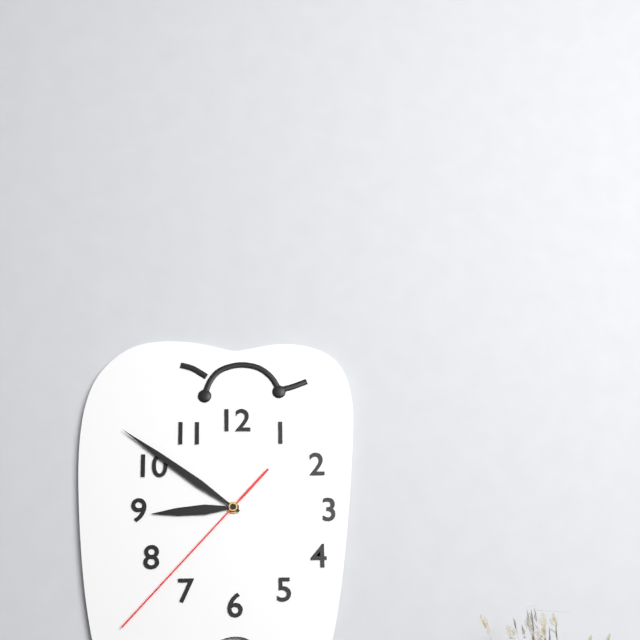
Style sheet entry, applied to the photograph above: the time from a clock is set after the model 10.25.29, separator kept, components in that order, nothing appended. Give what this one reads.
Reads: 8.51.37
